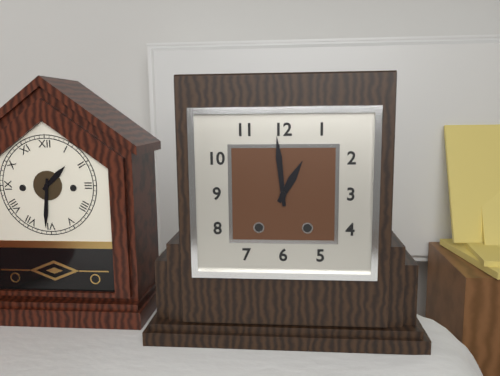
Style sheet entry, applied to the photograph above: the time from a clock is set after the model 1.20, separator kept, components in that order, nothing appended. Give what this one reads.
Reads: 12.59
